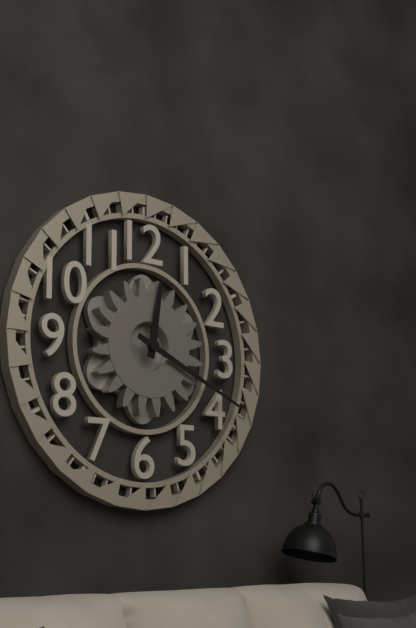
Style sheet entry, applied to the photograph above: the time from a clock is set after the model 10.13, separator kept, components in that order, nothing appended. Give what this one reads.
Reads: 12.19
